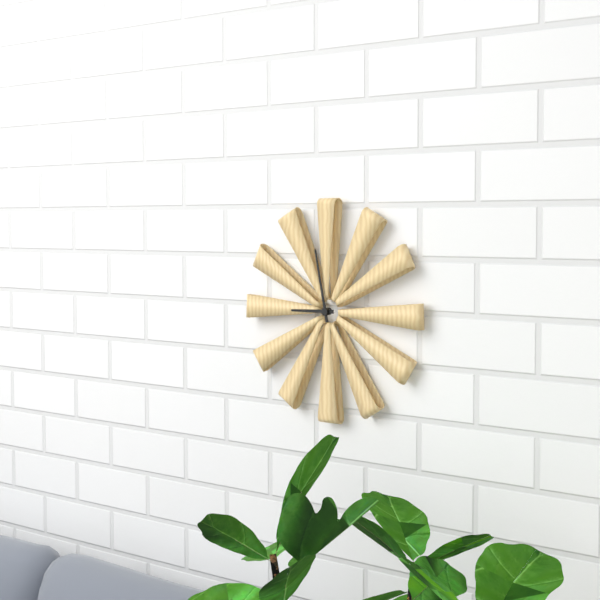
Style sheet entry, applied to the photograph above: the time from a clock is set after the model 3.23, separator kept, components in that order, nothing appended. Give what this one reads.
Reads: 8.58
